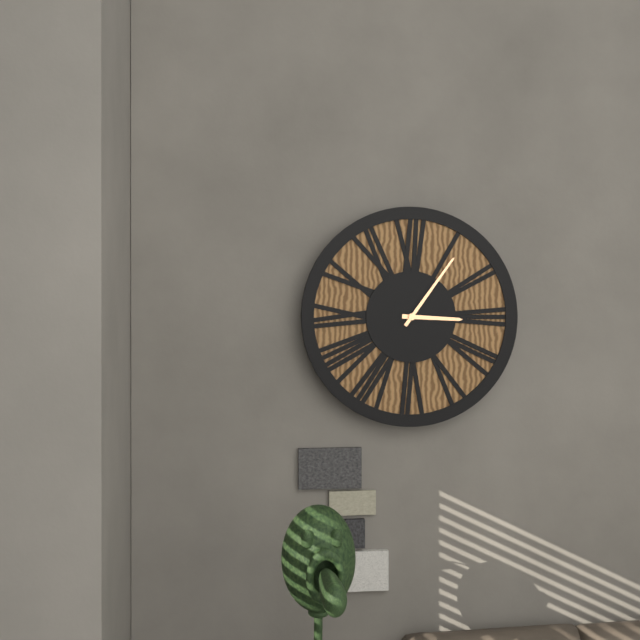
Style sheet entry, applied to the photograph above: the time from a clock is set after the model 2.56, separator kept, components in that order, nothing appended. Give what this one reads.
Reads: 3.06
